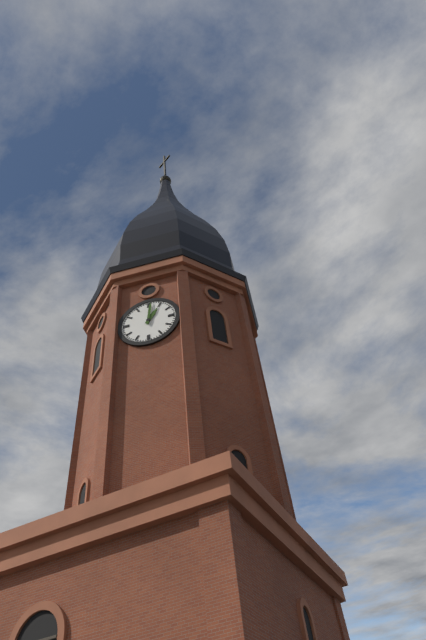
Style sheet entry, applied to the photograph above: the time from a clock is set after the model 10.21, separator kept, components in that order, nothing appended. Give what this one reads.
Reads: 1.01
